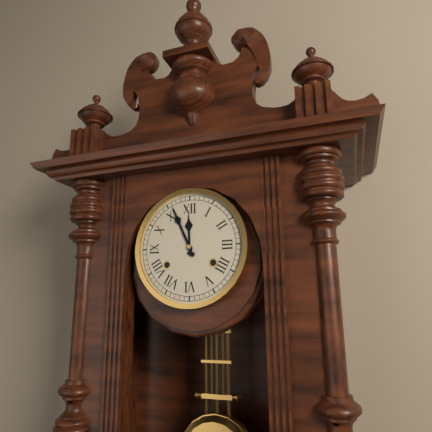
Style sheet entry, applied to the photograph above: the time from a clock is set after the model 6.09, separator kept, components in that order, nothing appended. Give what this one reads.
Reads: 11.56
